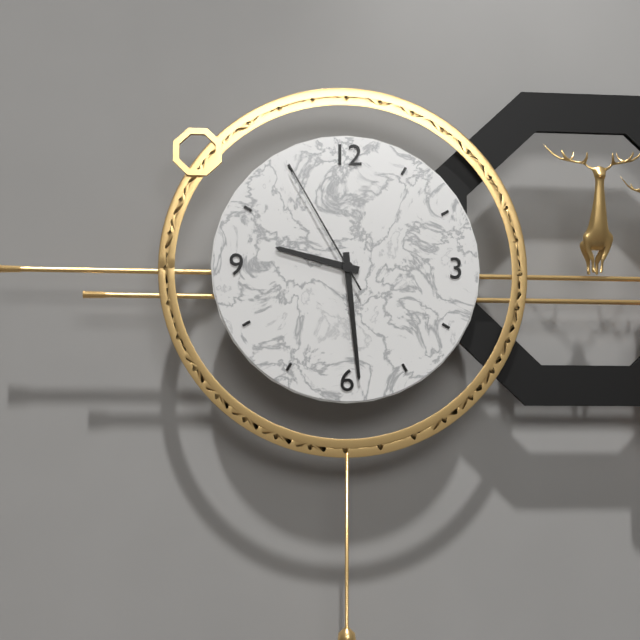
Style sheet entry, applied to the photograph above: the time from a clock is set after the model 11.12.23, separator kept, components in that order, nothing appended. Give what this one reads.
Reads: 9.29.55
